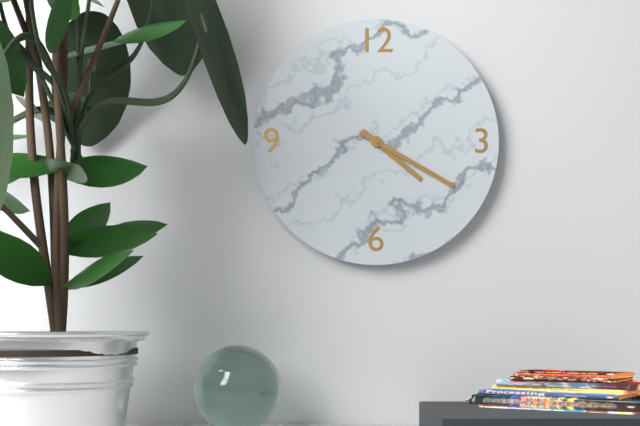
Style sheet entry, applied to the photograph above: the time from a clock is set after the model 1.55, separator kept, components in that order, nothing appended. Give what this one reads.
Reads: 4.20
